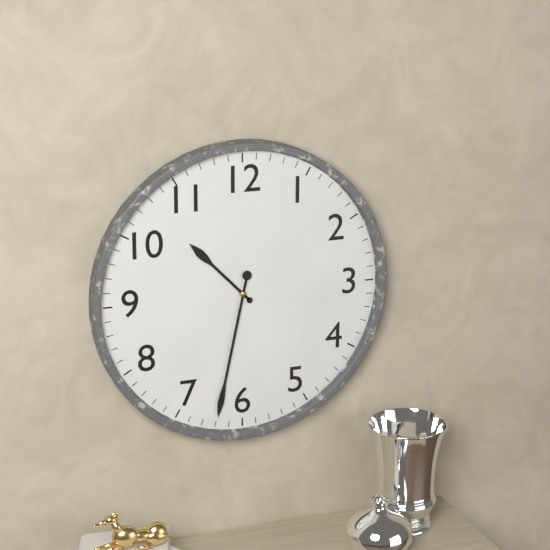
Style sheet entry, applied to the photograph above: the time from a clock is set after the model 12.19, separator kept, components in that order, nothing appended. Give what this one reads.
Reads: 10.32
